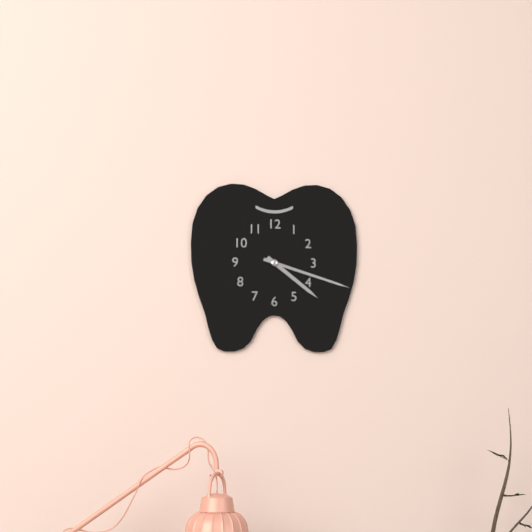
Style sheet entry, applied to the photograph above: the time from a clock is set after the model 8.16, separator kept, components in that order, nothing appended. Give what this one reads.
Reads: 4.18
